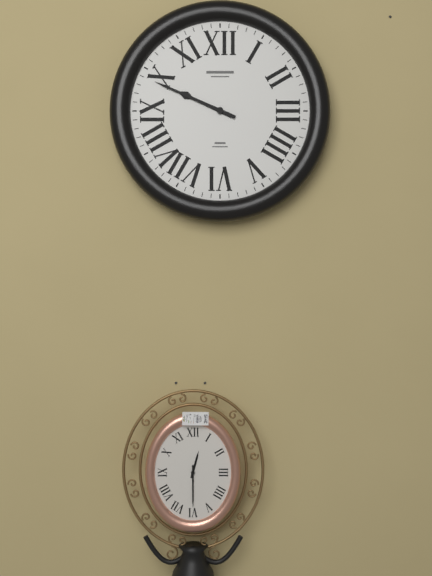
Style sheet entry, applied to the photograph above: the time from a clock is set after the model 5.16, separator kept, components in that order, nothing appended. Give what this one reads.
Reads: 9.49
